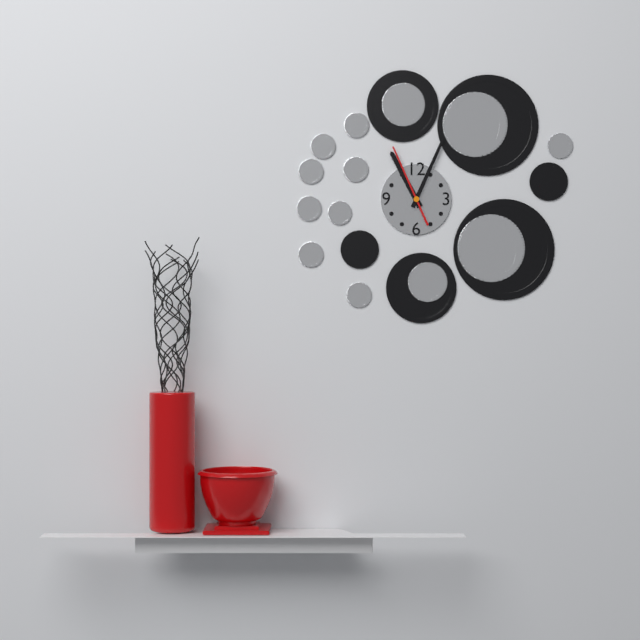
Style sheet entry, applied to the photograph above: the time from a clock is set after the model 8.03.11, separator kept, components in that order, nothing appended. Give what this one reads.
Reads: 11.04.56
